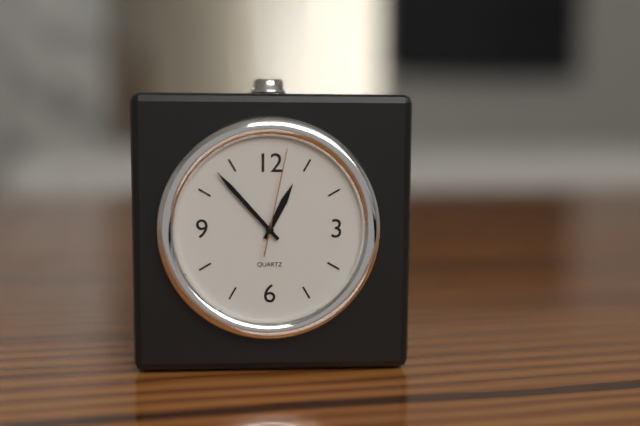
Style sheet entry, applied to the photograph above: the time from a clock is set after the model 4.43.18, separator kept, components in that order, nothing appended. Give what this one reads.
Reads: 12.53.02
